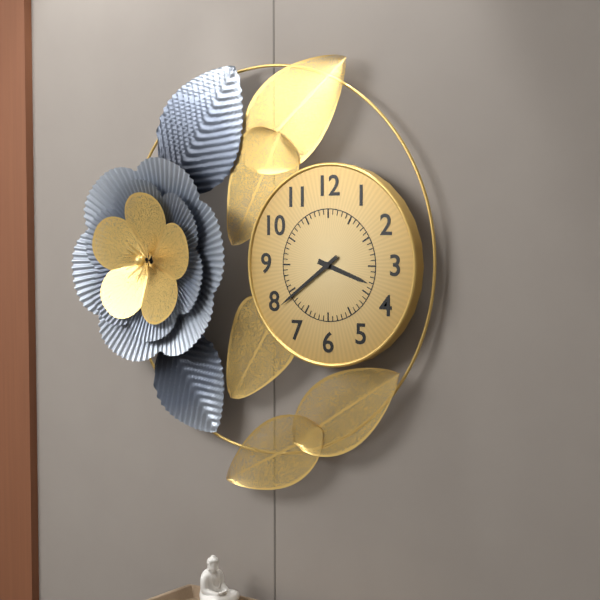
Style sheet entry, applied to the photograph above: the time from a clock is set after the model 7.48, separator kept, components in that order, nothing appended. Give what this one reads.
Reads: 3.39
